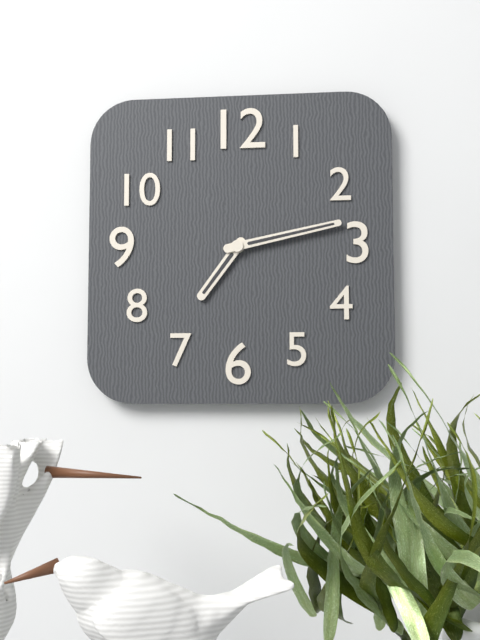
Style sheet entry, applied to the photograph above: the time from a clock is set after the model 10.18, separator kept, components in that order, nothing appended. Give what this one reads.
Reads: 7.13
